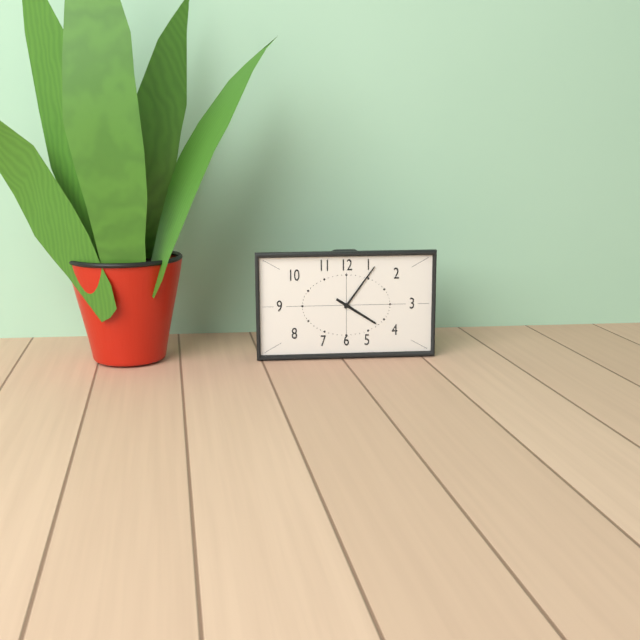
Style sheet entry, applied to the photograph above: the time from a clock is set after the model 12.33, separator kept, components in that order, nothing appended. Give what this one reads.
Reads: 4.06
